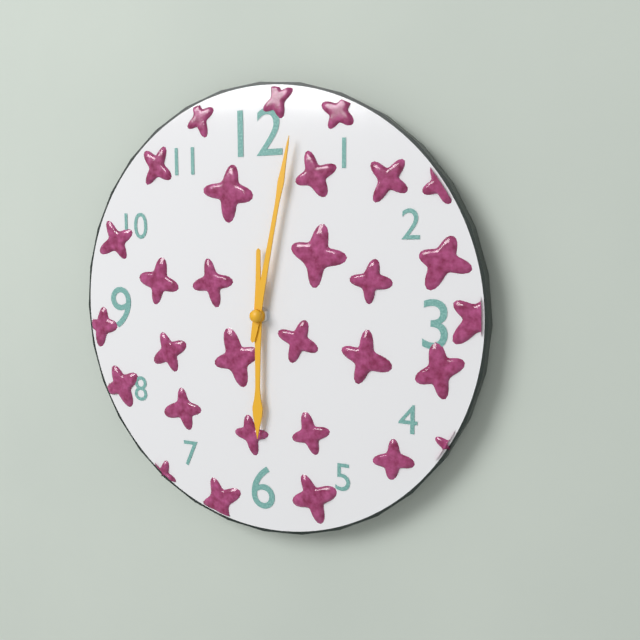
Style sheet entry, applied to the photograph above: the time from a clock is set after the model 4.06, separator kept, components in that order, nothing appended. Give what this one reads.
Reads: 6.02
